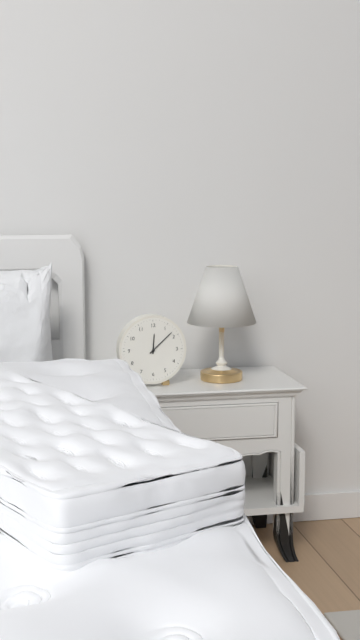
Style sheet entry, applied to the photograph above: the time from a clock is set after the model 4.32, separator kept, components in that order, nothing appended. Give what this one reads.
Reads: 12.08
